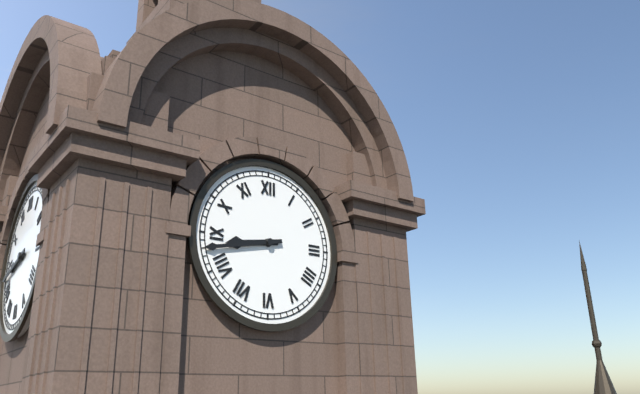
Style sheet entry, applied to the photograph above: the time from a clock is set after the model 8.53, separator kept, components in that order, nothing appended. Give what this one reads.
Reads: 8.43
